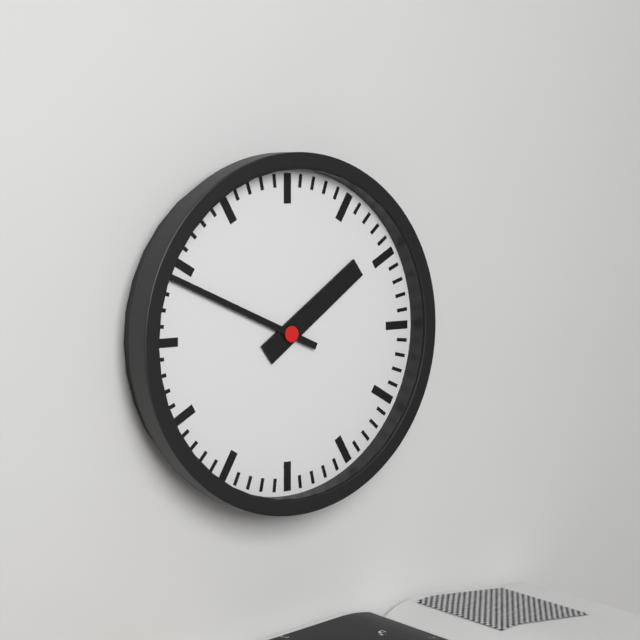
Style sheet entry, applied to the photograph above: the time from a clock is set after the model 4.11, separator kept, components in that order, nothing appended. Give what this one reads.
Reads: 1.49
